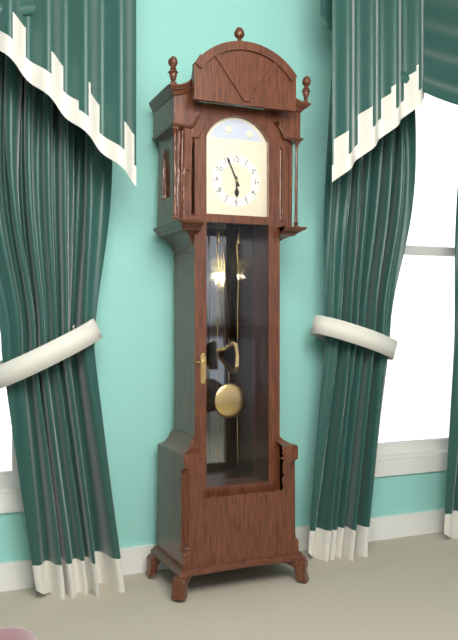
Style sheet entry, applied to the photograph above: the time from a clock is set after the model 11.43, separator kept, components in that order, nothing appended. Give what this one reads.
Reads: 5.56
